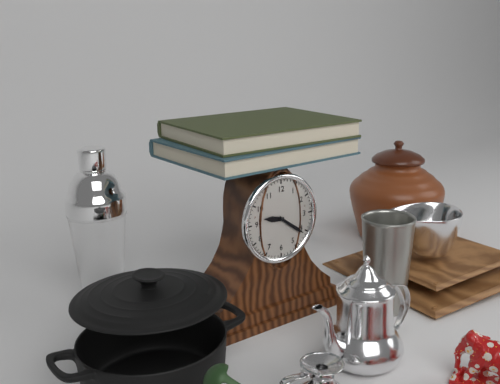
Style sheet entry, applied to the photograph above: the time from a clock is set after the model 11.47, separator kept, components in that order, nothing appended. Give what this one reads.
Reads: 9.21
